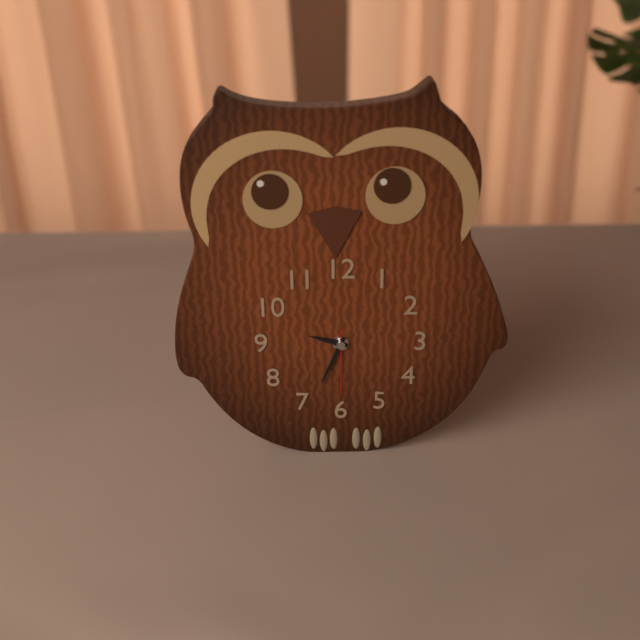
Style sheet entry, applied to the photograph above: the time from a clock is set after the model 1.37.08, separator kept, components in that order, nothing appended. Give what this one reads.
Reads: 9.34.30
